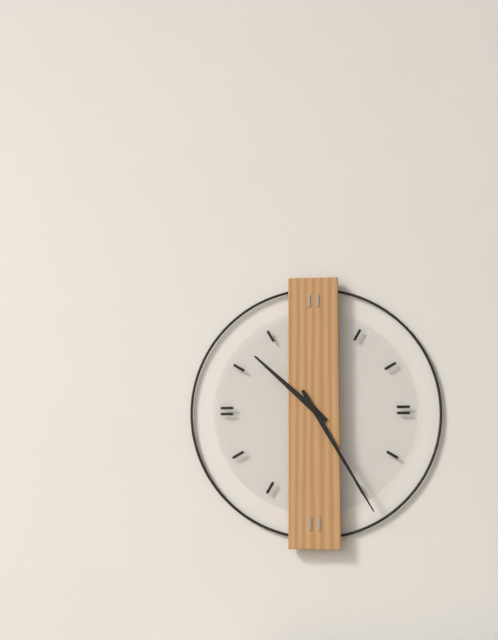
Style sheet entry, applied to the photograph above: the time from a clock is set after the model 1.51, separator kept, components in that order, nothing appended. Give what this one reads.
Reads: 10.25
